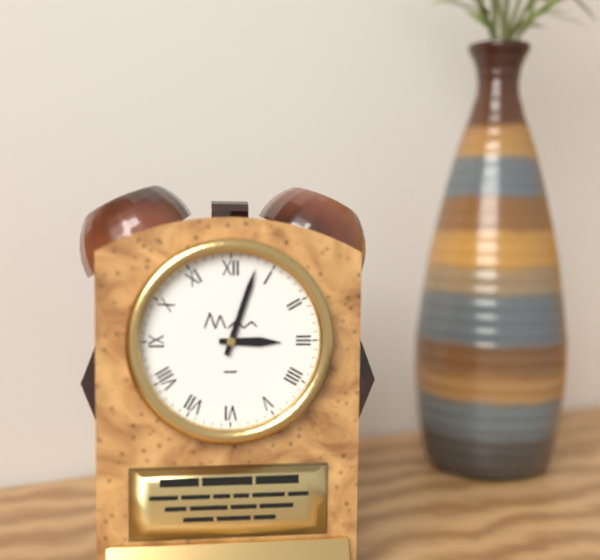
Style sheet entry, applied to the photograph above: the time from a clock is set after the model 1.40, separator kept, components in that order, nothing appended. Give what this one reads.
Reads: 3.03
